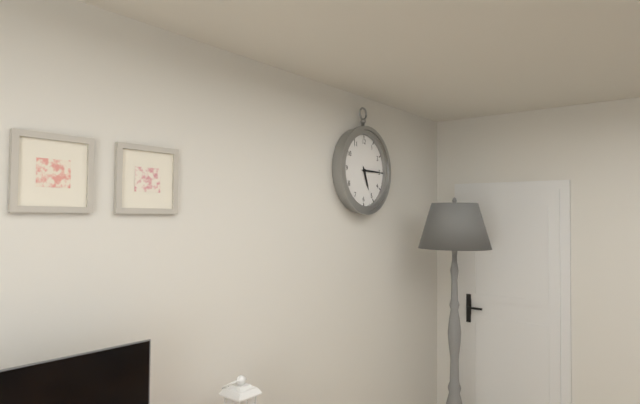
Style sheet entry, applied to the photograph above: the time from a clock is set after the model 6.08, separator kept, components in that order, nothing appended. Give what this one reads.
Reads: 5.15
